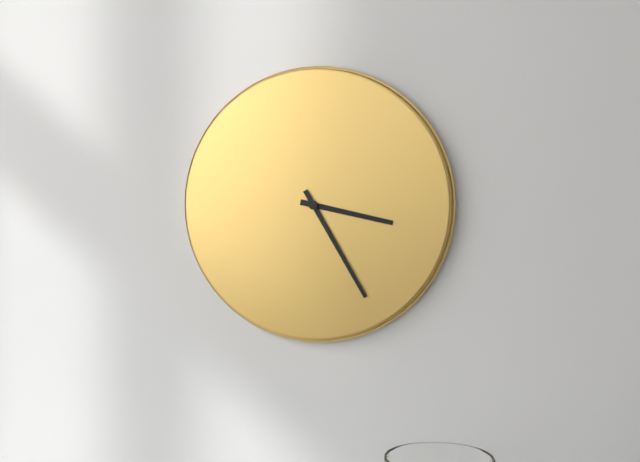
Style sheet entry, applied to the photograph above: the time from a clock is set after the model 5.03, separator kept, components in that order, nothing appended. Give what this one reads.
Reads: 3.25
